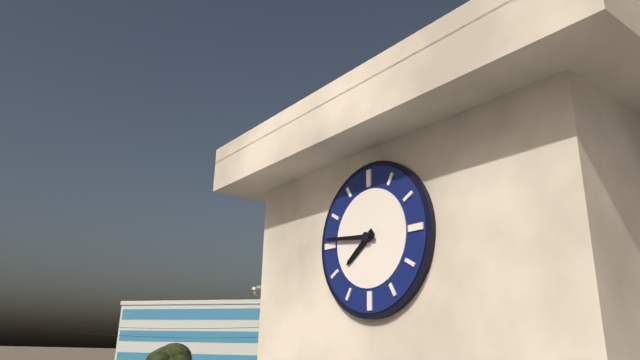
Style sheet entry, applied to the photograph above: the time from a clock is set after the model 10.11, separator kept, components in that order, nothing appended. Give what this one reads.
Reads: 7.46
